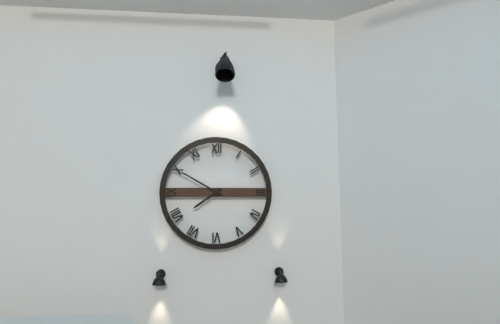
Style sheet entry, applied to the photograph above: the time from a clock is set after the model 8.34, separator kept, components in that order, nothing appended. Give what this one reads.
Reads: 7.50
